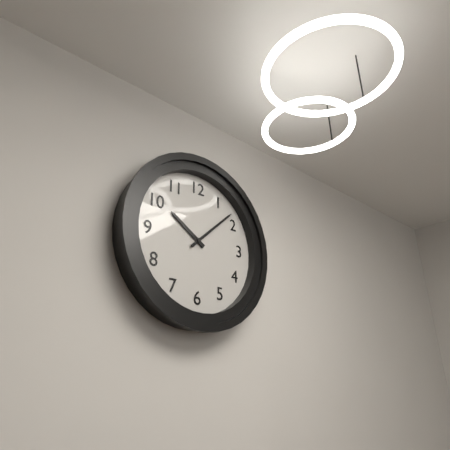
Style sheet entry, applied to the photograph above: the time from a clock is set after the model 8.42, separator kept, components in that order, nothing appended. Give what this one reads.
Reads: 10.08
